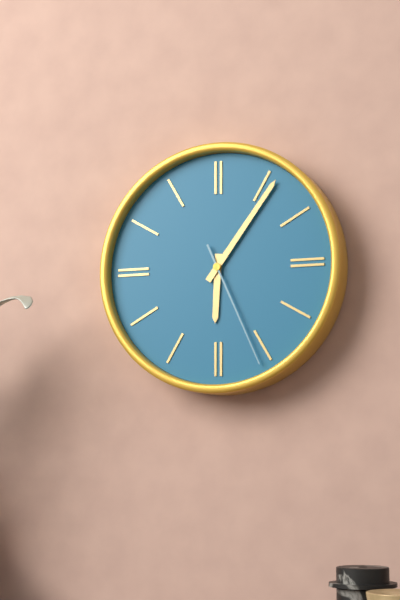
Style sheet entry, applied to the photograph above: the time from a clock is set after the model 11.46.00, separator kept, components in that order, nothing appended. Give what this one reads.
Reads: 6.06.26
